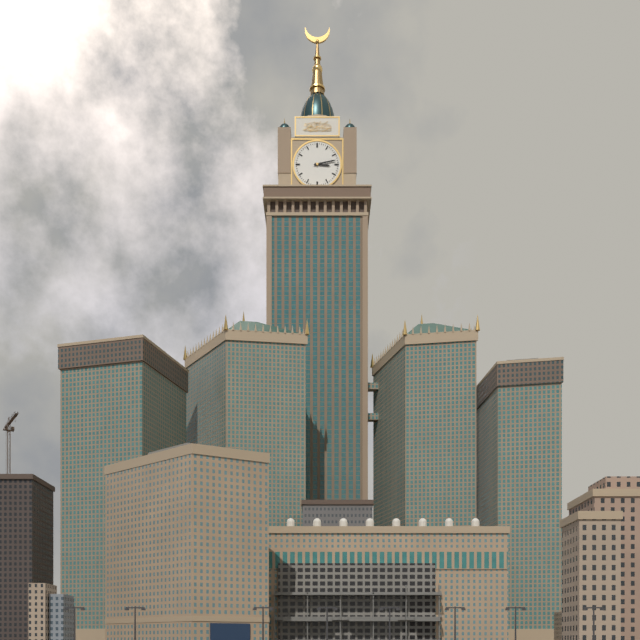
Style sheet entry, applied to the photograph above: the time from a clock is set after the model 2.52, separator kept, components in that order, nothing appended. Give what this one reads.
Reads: 3.13
